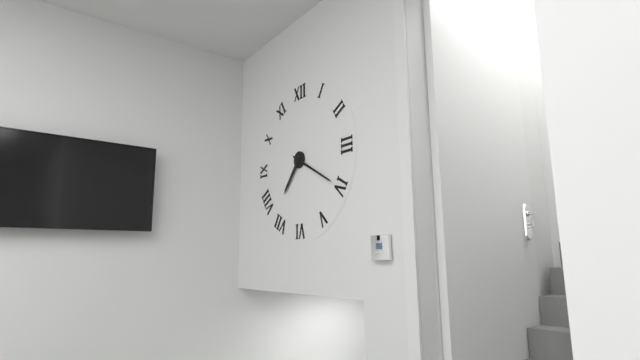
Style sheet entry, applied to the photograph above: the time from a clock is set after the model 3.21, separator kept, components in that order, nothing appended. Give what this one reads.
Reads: 7.20
